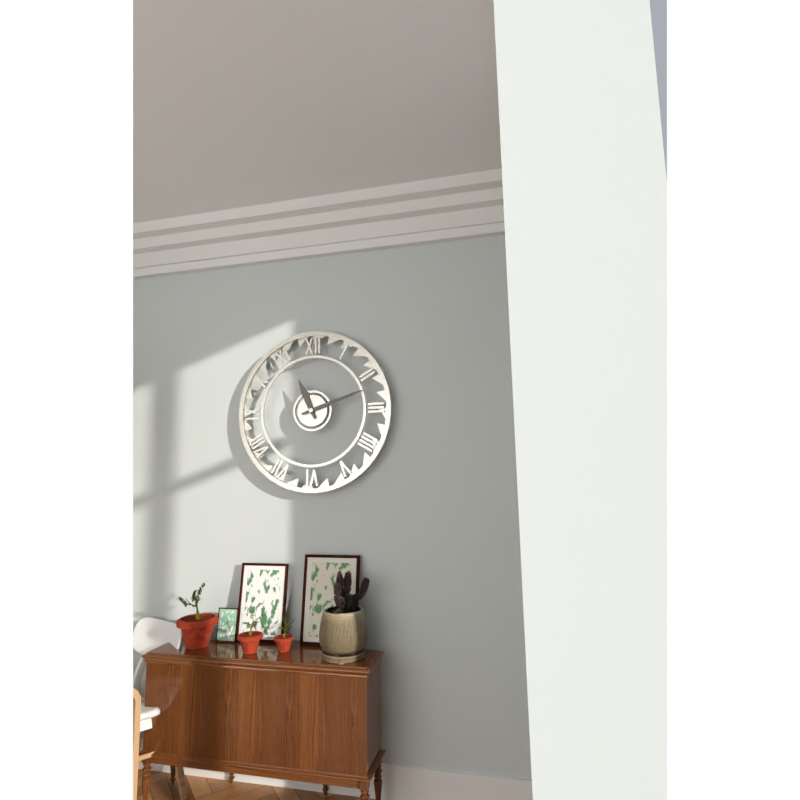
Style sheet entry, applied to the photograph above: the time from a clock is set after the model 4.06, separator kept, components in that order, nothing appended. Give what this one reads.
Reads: 11.12
